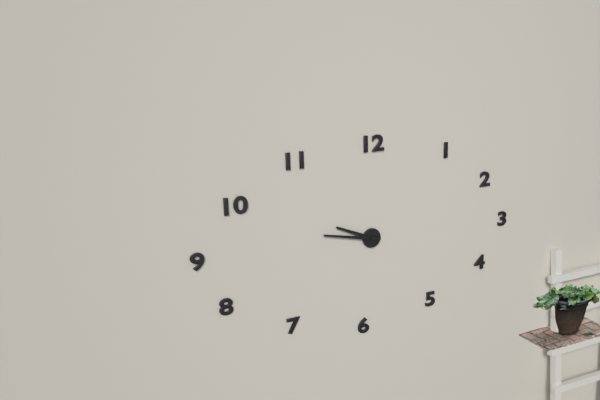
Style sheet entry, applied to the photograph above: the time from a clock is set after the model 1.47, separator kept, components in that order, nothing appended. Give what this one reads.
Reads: 9.47
